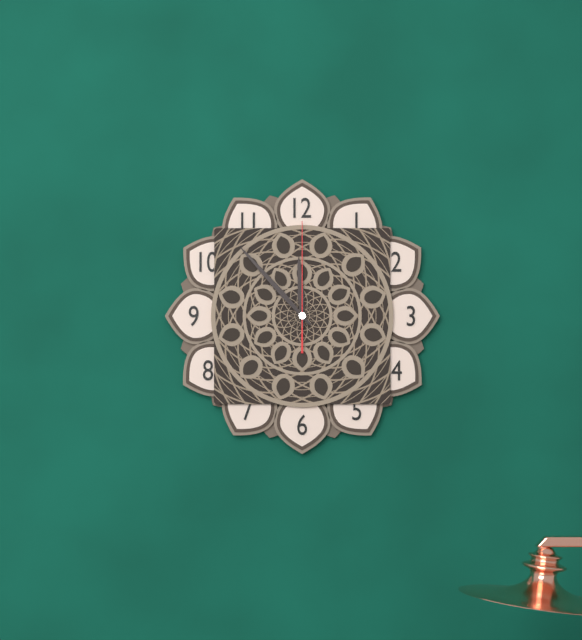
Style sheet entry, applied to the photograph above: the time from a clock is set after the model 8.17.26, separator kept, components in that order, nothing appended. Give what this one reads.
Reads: 11.53.00
